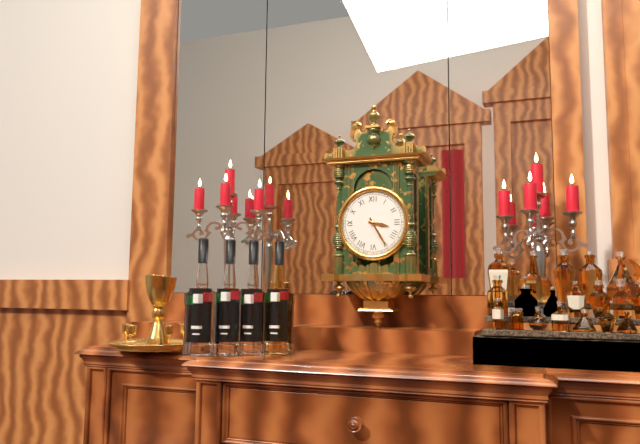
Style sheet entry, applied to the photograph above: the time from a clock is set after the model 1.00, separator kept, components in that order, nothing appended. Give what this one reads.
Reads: 3.25
